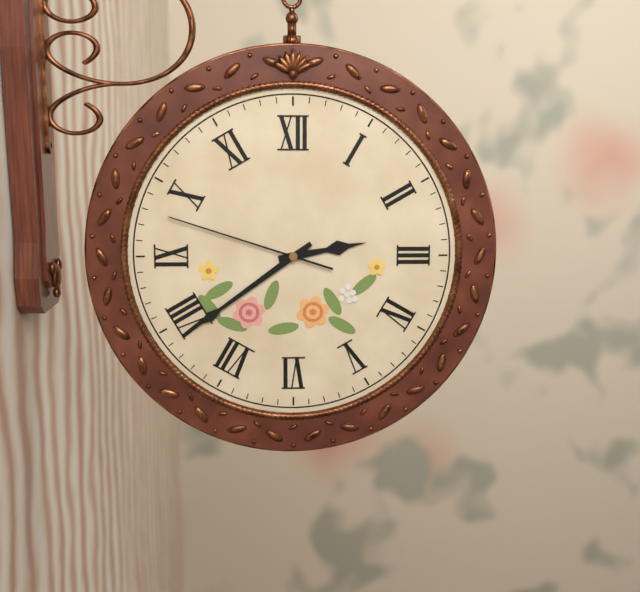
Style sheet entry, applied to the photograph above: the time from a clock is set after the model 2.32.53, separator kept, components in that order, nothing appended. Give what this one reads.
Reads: 2.39.48
